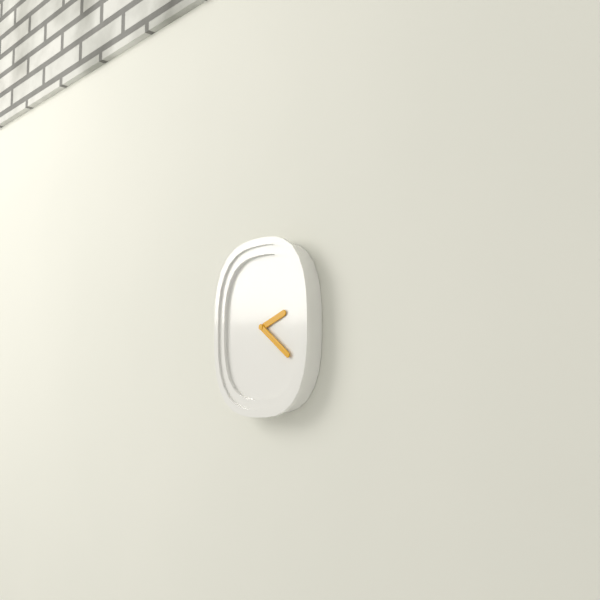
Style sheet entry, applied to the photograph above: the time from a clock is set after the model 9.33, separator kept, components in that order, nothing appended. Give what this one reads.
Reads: 2.21
